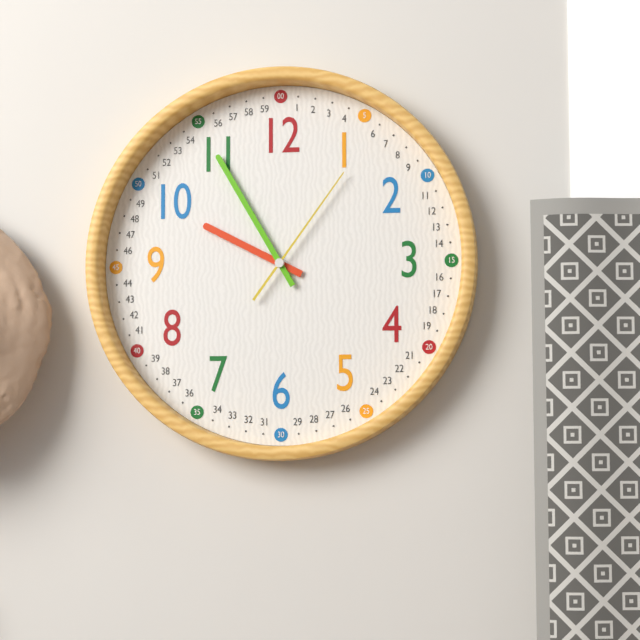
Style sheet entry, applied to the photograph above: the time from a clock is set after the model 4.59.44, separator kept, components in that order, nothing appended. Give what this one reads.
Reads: 9.55.06
